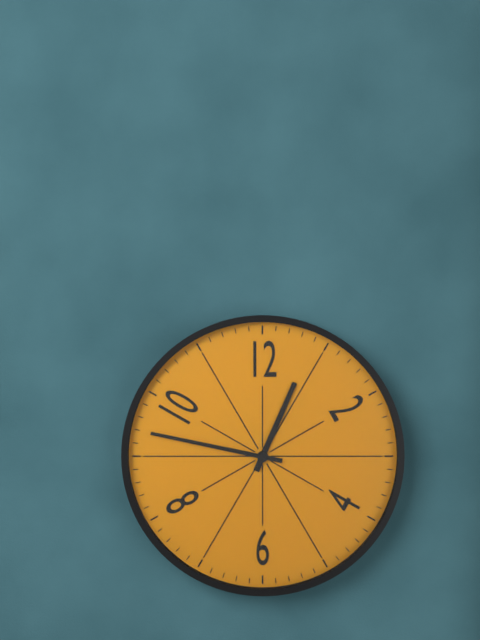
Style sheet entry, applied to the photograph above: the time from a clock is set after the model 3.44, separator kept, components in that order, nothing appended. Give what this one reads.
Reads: 12.47
